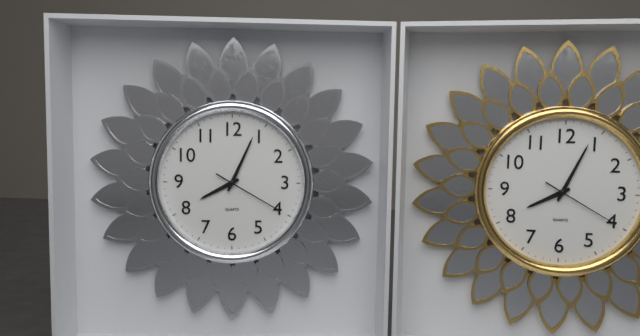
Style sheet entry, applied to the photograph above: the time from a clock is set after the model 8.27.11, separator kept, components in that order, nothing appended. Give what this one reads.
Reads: 8.04.20
